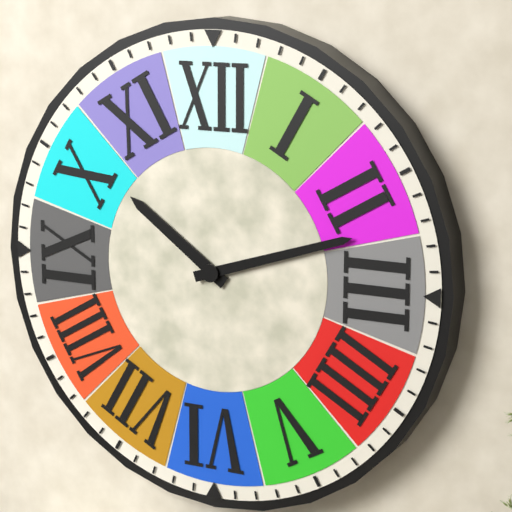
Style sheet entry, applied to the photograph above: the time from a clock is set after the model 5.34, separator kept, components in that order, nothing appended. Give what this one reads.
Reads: 10.12
